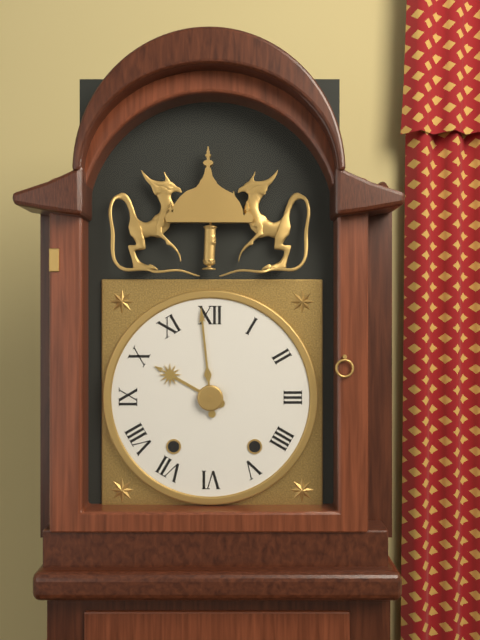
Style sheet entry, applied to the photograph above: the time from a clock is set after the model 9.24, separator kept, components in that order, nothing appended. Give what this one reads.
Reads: 9.59
